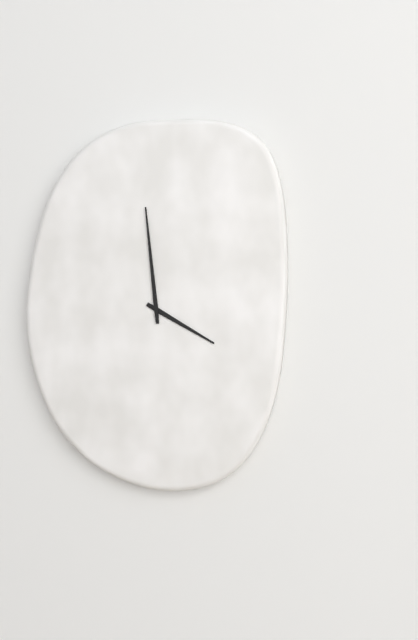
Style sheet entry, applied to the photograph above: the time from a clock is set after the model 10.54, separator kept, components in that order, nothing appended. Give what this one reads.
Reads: 3.59
